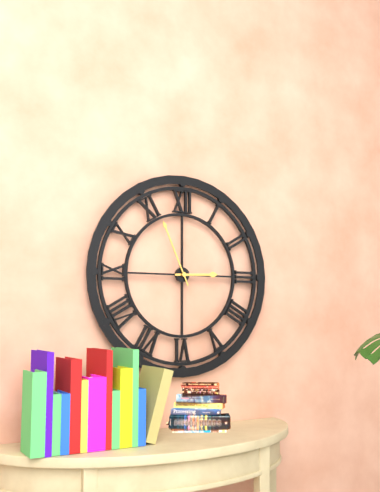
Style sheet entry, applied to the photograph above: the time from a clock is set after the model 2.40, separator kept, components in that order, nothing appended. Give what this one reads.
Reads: 2.56
